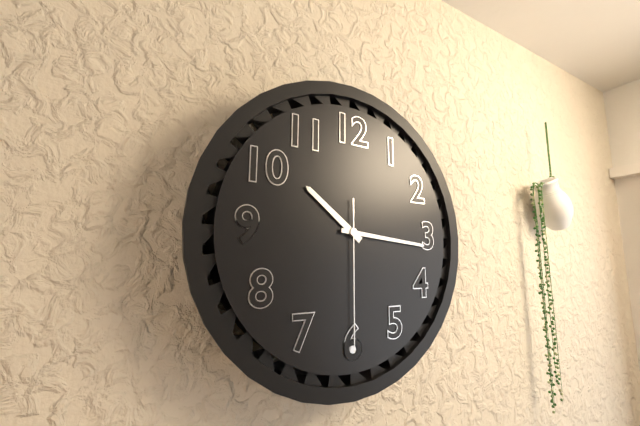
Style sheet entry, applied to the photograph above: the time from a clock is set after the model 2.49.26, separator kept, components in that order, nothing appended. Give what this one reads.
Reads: 10.16.30
